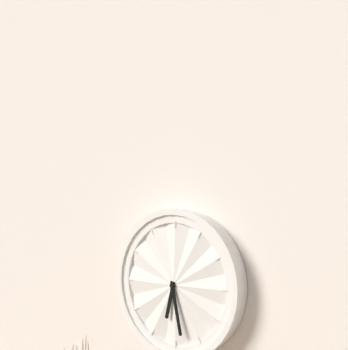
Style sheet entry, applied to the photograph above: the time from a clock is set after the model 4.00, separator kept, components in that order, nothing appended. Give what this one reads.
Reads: 6.28
